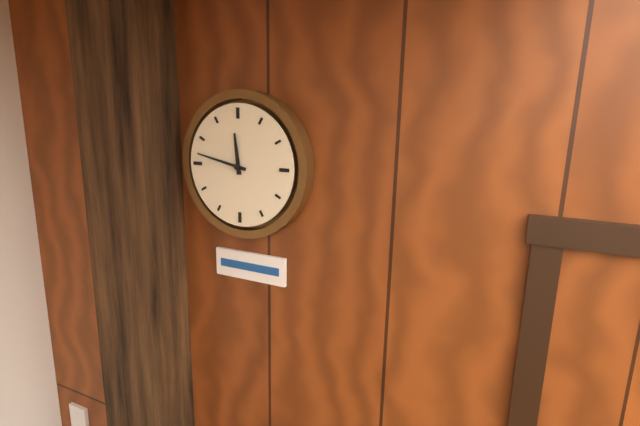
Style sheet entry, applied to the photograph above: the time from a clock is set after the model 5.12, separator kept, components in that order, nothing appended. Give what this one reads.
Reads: 11.47
